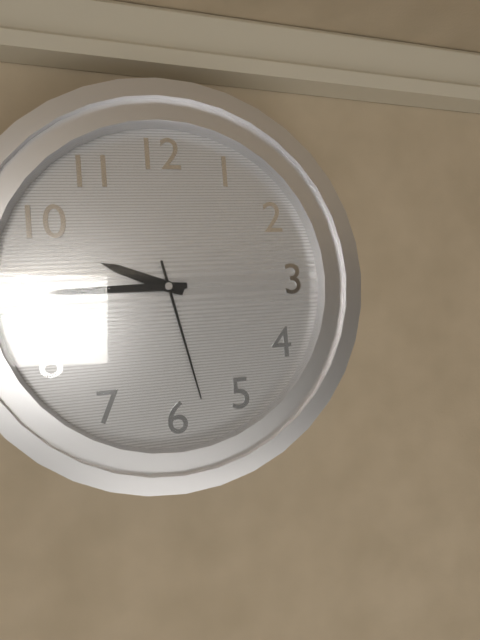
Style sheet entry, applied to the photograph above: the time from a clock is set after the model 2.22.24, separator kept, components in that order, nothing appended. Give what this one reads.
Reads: 9.45.28
